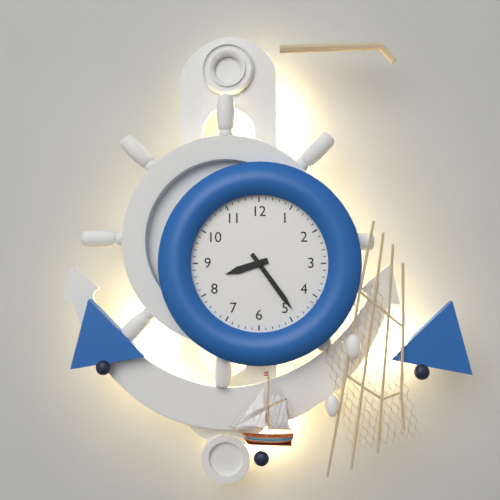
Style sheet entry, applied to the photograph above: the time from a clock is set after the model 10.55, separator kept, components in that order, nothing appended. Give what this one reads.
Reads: 8.24
